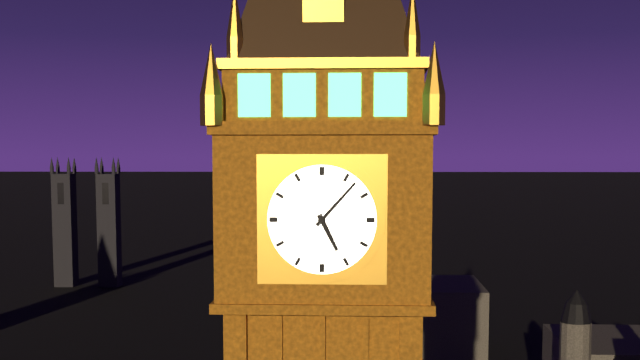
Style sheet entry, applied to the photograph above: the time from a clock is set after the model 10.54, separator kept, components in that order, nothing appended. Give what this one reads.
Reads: 5.07
